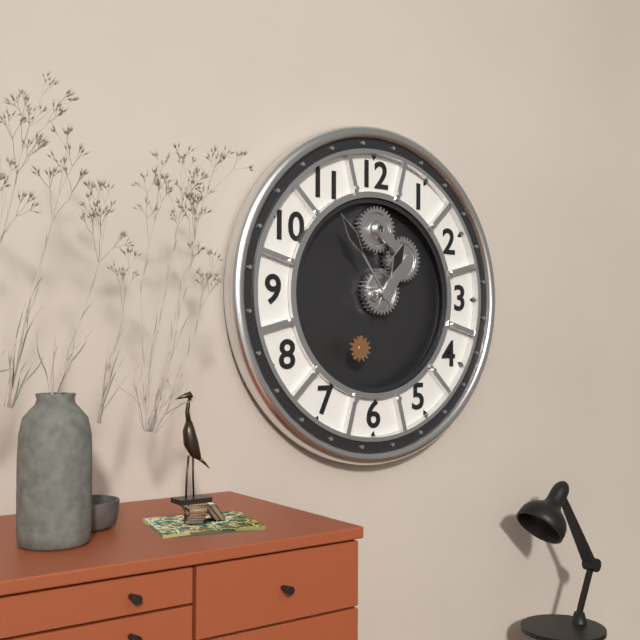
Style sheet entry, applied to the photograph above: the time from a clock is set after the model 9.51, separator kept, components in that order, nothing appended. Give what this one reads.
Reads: 12.54
